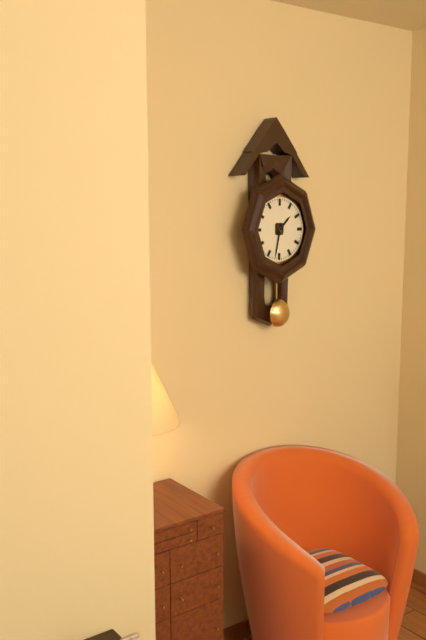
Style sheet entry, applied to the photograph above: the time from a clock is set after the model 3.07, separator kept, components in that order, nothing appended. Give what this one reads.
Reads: 1.32
